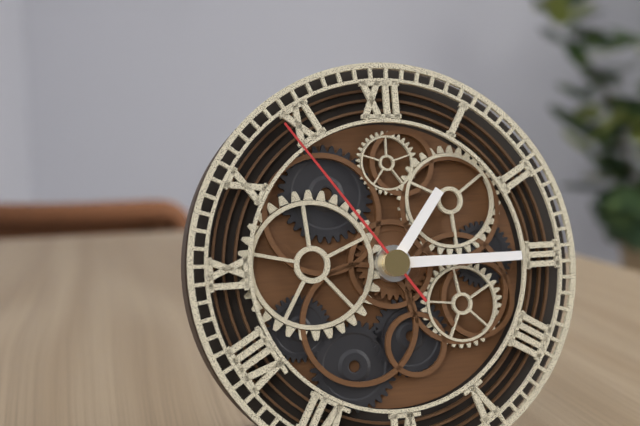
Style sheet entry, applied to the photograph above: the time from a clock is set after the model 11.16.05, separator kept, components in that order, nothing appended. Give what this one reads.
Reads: 1.15.54
